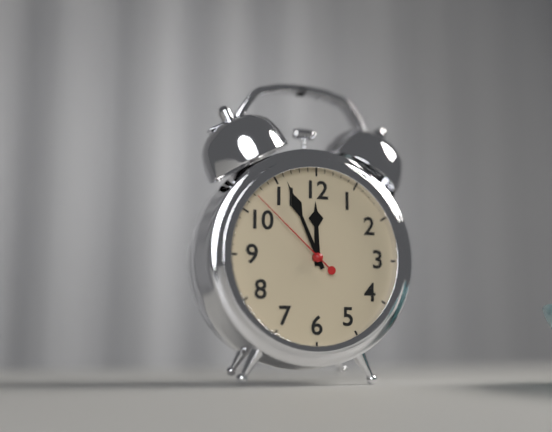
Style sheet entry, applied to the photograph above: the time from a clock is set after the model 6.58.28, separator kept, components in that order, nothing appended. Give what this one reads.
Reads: 11.56.52
